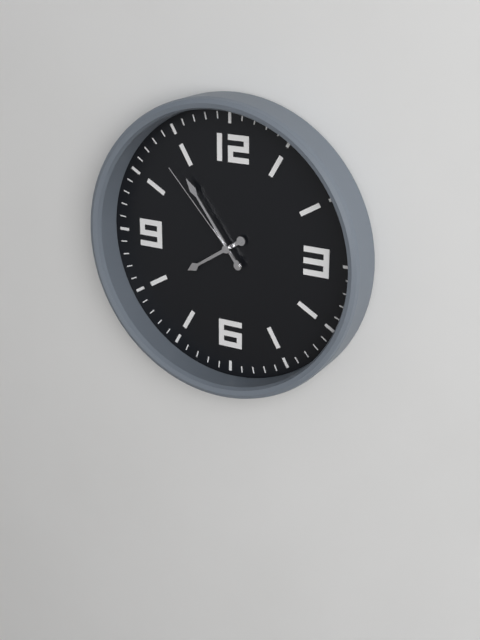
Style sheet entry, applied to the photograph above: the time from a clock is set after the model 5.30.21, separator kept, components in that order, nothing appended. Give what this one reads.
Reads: 7.54.53
